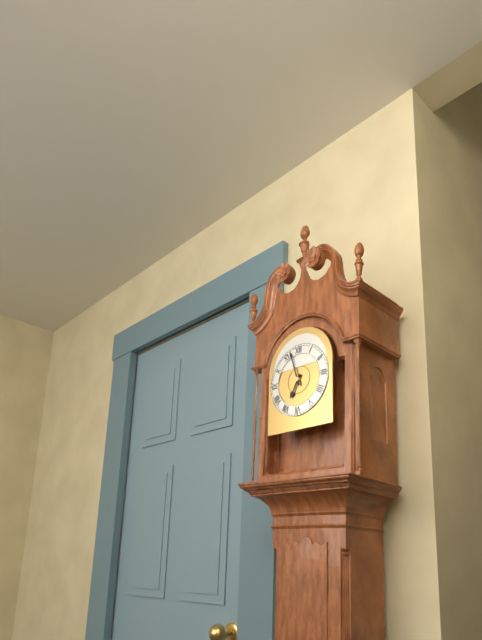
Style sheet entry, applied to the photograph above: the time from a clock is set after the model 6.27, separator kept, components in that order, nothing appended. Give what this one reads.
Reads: 6.57
